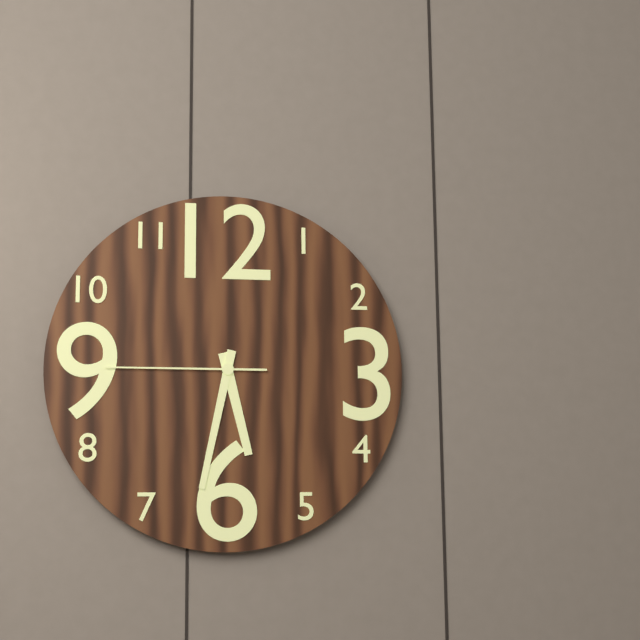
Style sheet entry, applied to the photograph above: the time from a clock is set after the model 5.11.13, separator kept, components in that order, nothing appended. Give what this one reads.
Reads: 5.32.45
